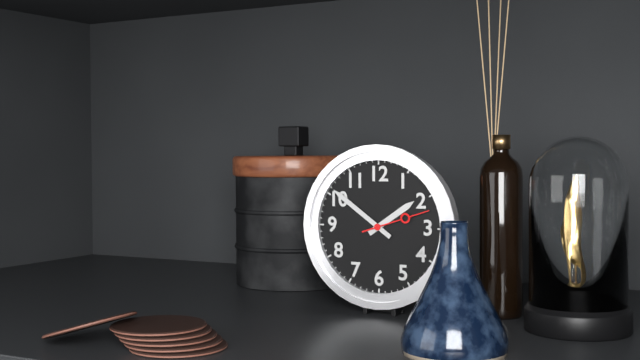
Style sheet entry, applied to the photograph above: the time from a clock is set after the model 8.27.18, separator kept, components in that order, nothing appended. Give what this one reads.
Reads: 1.51.12
